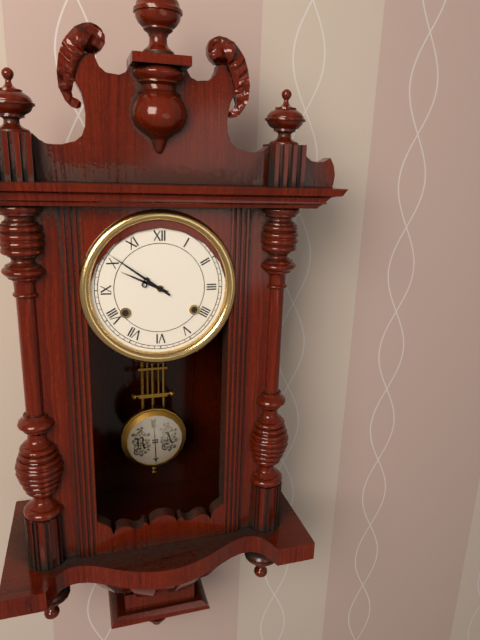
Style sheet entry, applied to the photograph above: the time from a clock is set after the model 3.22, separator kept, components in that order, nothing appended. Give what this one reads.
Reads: 9.51
